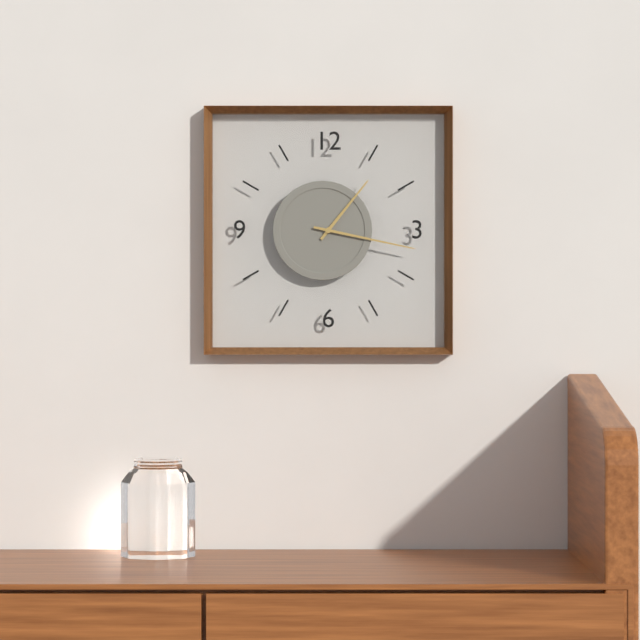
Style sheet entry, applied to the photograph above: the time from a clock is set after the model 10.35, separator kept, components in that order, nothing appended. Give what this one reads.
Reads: 1.17
